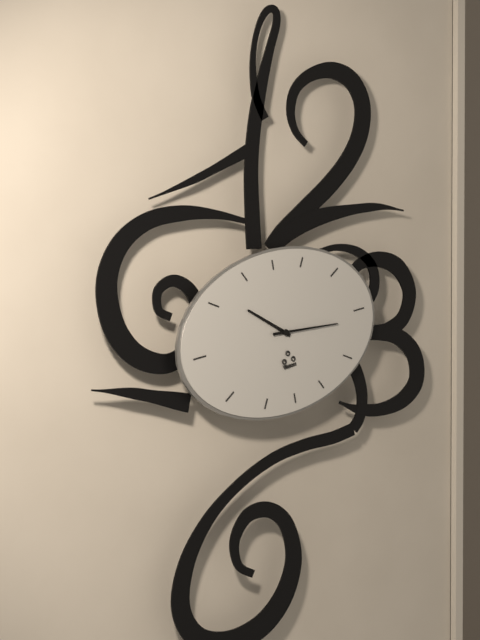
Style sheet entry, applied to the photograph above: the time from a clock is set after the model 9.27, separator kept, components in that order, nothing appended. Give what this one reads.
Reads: 10.16
